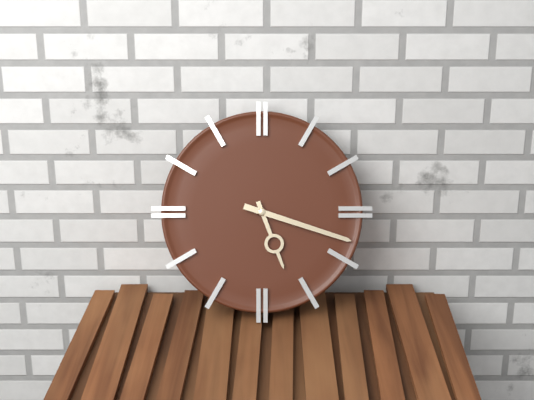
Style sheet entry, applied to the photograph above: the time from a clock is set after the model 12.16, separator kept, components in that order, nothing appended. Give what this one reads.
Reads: 5.18
